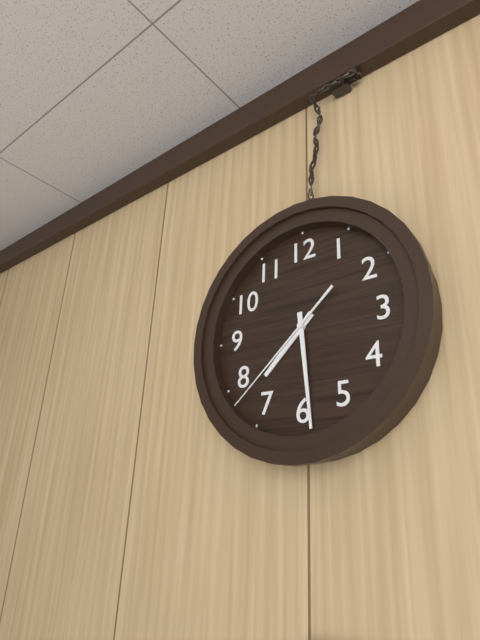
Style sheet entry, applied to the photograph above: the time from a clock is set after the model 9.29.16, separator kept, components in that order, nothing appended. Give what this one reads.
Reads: 7.29.38
